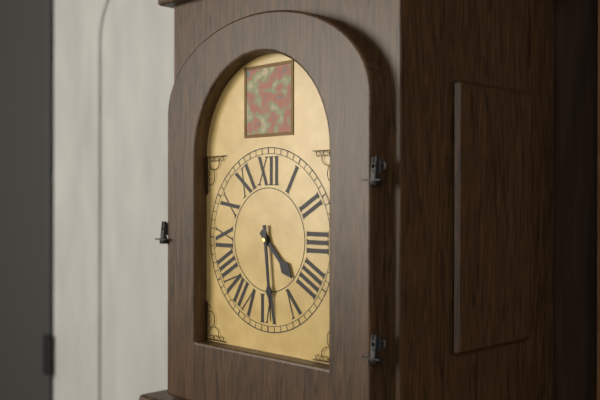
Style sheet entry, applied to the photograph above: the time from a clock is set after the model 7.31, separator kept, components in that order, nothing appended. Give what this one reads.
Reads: 4.29
